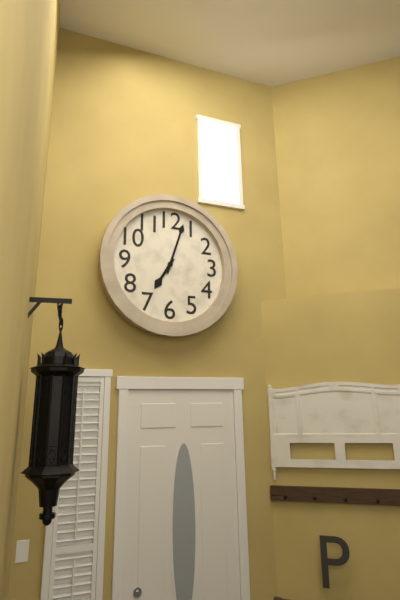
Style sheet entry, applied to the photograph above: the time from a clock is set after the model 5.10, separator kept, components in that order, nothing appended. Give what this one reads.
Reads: 7.03
